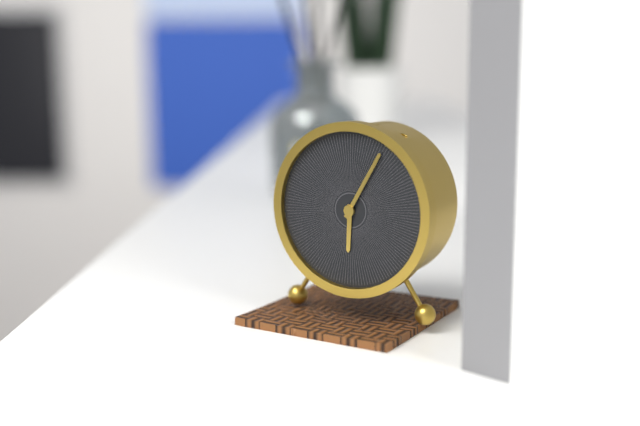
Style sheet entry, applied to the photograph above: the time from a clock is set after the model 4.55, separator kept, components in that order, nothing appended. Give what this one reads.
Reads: 6.05
